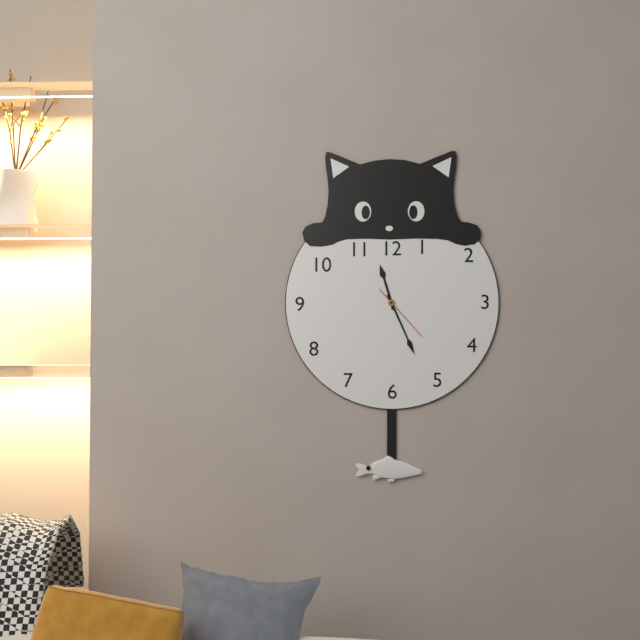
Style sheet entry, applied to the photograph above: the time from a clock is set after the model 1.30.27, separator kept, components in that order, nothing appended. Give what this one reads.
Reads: 11.26.23
